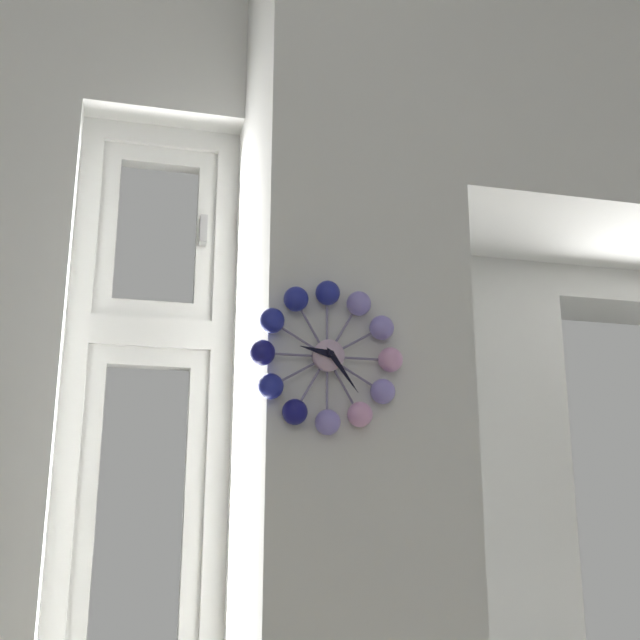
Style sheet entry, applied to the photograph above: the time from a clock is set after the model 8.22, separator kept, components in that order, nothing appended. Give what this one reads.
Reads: 9.24
